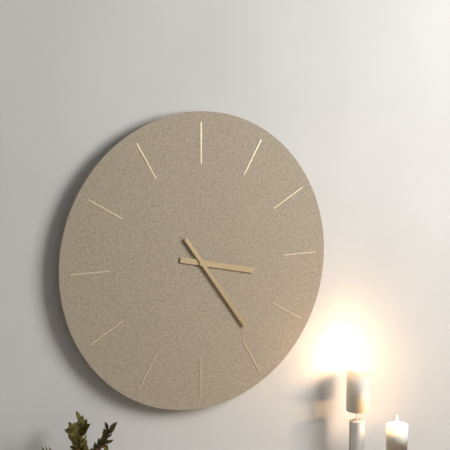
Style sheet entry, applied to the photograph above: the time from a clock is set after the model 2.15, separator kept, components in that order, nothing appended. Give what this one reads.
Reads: 3.24
